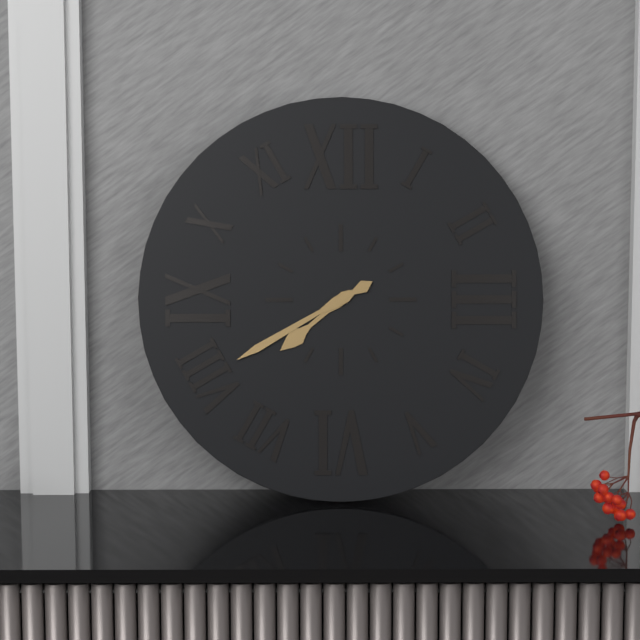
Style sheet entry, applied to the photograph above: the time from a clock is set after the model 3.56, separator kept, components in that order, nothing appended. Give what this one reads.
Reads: 7.40
